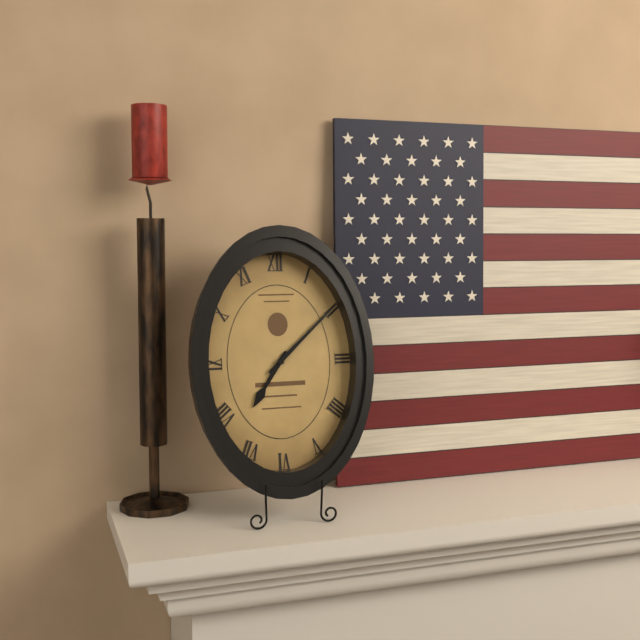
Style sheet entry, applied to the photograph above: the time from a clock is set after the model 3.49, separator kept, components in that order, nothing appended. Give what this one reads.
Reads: 7.08
